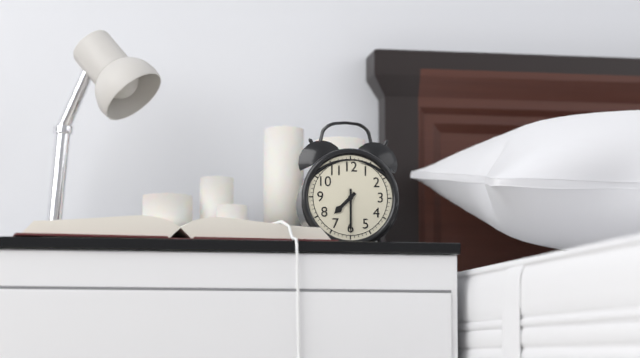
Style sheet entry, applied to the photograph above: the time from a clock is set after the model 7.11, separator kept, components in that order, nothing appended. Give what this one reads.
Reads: 7.30
